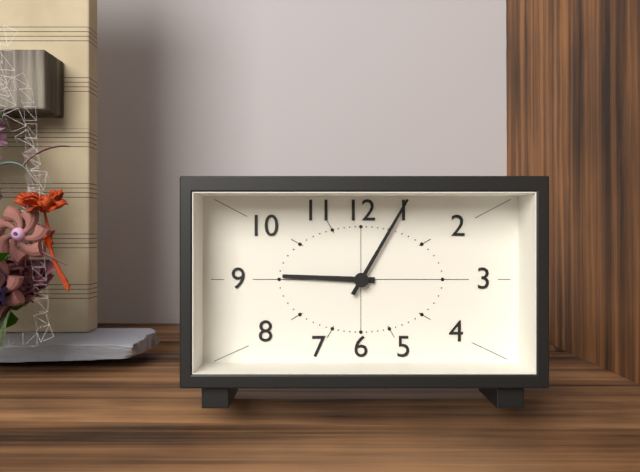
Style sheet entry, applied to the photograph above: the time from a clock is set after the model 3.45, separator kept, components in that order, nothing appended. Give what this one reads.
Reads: 9.05
